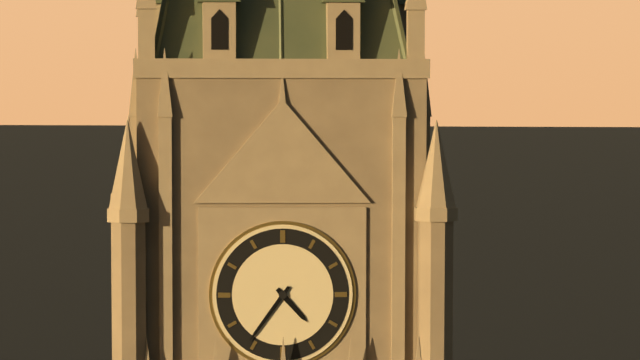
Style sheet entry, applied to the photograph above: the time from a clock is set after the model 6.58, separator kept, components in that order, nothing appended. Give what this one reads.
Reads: 4.36
